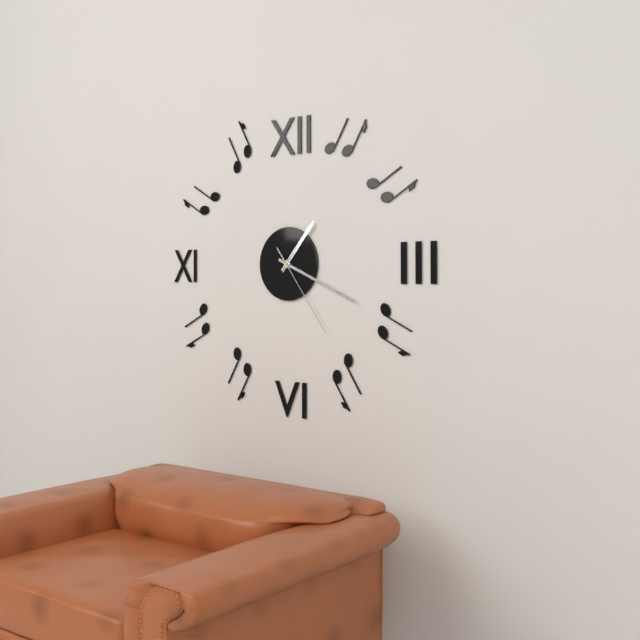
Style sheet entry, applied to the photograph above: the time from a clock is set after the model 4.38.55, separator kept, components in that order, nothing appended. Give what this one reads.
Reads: 1.19.24
